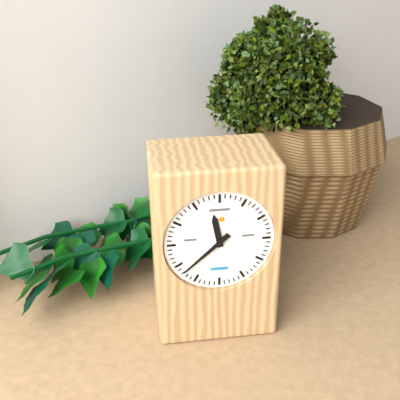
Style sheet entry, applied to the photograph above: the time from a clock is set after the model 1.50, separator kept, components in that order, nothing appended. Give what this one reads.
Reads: 11.38
